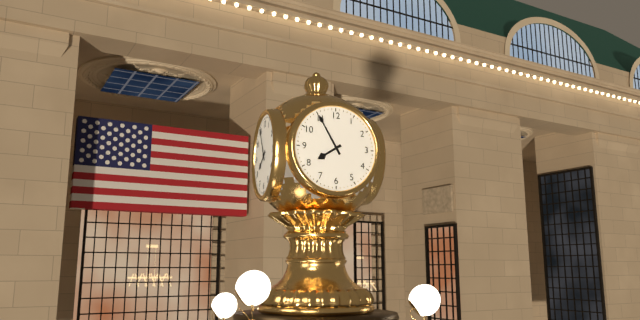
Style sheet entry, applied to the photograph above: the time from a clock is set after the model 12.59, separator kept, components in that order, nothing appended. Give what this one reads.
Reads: 7.55
